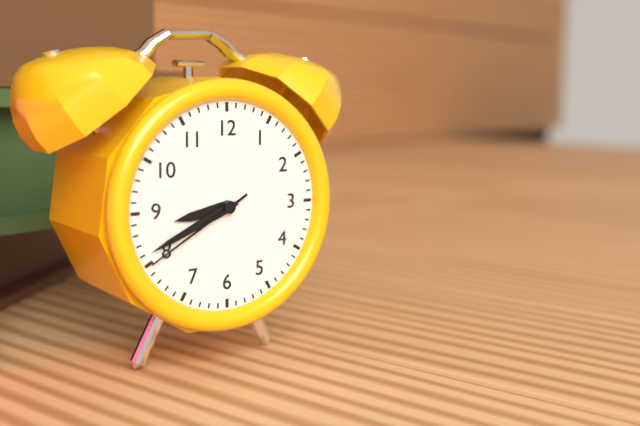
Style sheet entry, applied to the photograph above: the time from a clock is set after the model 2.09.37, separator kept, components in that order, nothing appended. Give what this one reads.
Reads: 8.41.40
